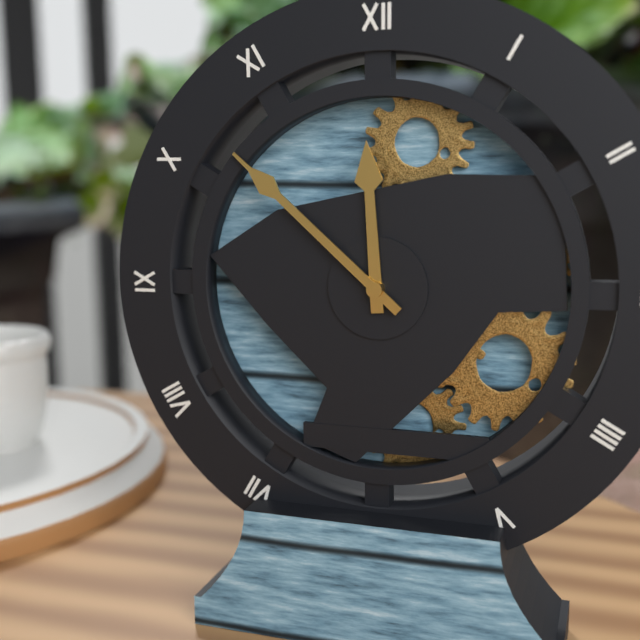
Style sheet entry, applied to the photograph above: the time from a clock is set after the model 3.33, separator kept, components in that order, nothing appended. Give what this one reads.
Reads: 11.52
